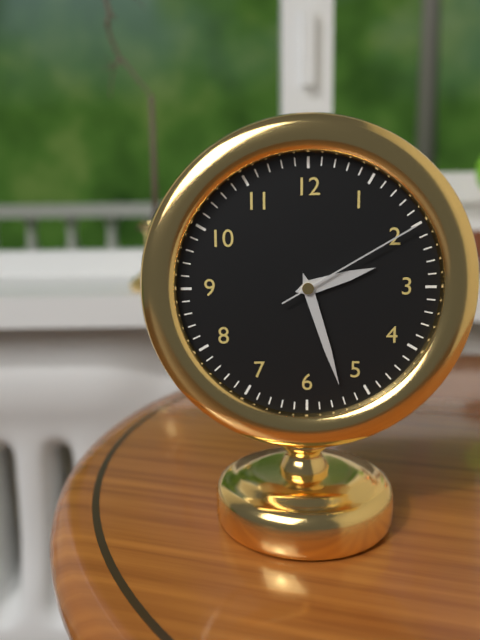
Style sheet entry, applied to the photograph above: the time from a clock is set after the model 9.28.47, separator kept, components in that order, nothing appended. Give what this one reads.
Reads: 2.27.10
